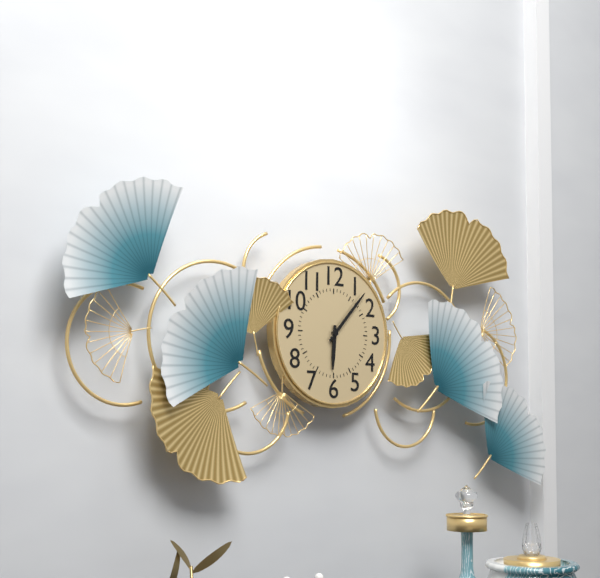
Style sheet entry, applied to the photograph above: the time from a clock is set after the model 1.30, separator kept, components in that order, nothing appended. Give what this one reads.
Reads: 6.07
